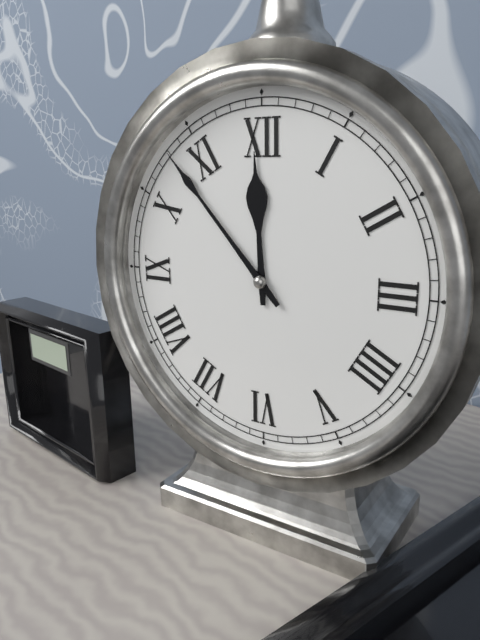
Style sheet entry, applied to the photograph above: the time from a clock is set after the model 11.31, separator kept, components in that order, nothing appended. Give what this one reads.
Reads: 11.53
